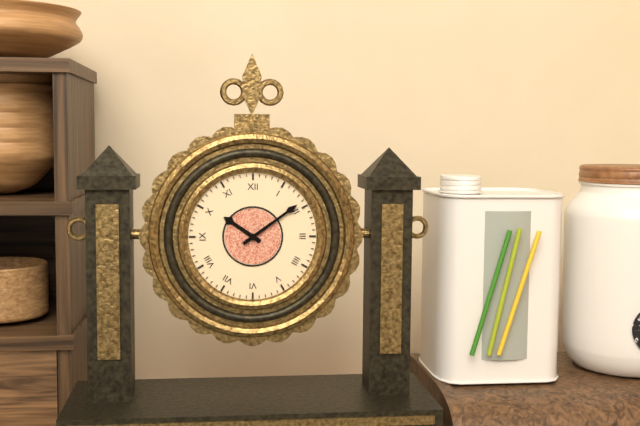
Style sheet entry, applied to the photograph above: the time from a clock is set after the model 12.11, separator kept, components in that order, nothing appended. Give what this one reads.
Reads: 10.09
